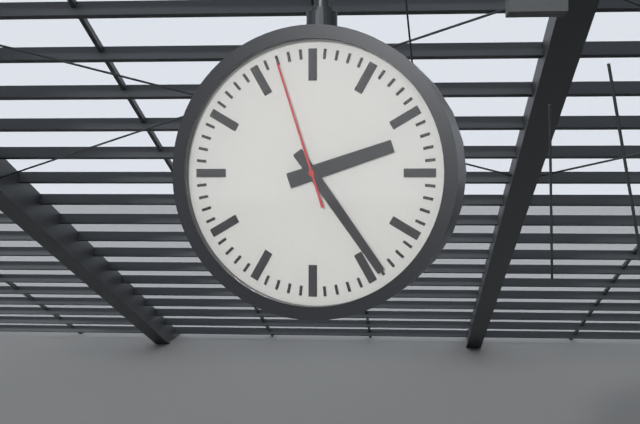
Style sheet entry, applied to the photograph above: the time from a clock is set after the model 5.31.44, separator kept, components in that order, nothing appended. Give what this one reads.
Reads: 2.24.57
